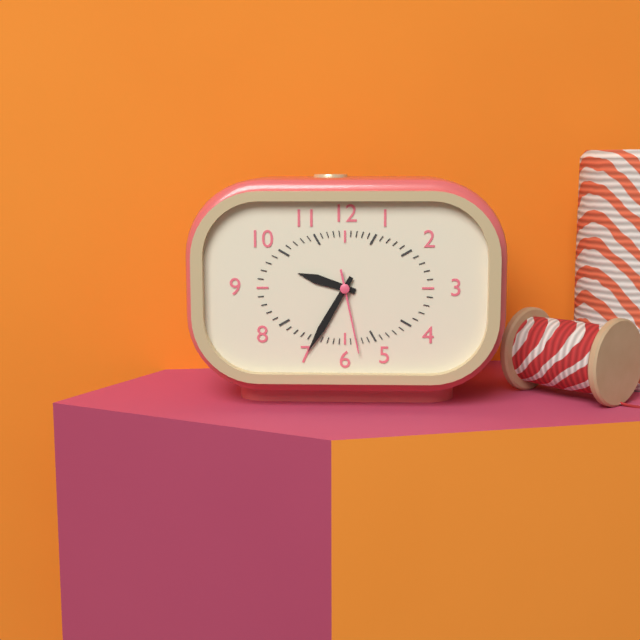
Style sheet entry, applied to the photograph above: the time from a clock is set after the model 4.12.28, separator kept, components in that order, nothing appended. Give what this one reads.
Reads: 9.35.28
